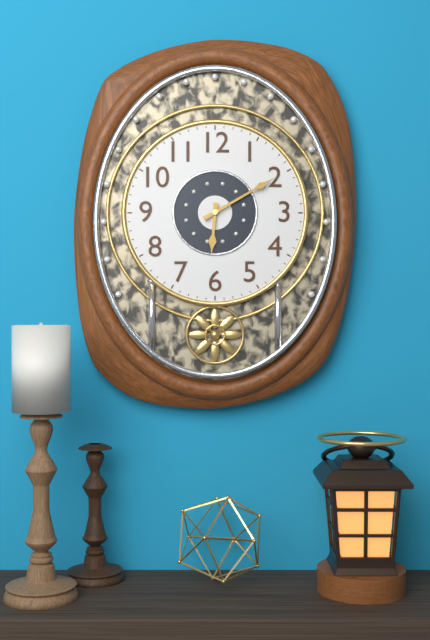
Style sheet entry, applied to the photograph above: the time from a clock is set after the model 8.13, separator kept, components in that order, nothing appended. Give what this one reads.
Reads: 6.10
